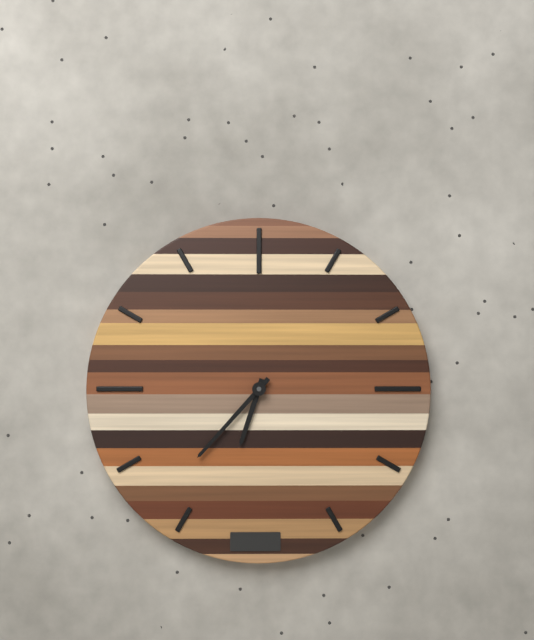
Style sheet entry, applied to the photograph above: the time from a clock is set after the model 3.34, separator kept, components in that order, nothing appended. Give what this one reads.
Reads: 6.37
